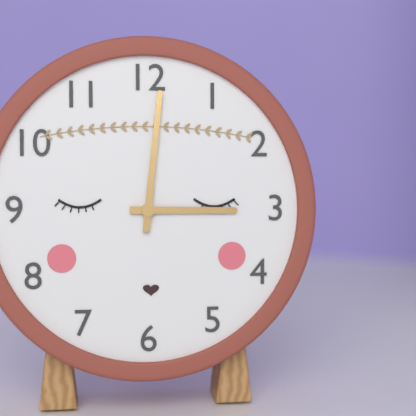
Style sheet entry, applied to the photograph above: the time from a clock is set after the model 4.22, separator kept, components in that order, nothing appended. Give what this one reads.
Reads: 3.01
